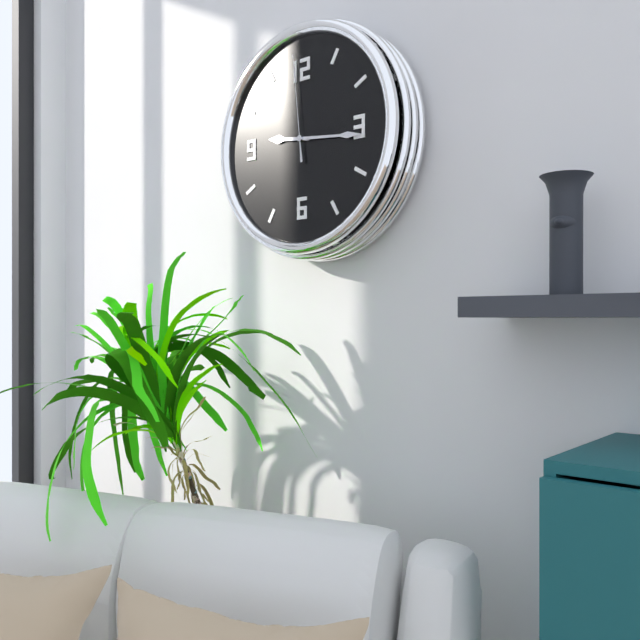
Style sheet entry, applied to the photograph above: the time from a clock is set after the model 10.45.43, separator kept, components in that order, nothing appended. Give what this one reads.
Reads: 9.16.59
